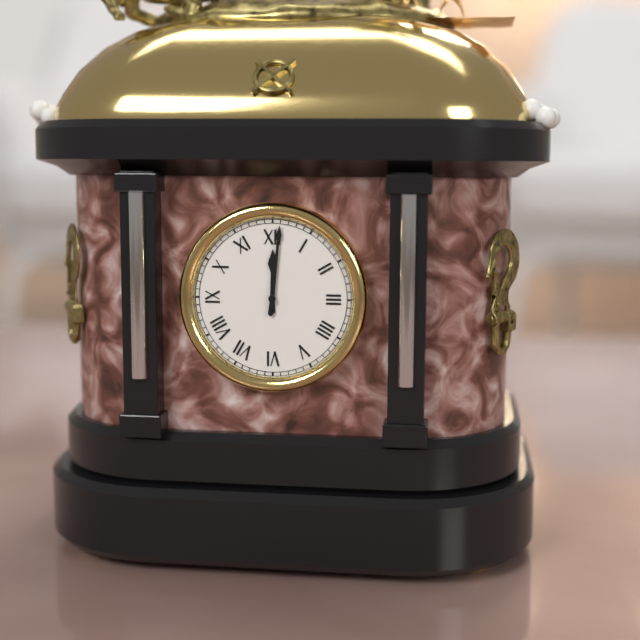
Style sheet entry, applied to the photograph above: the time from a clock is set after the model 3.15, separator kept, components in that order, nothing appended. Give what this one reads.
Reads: 12.01
